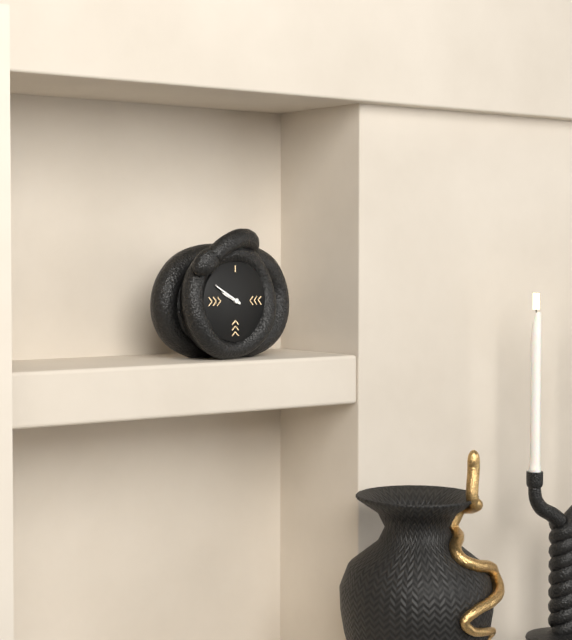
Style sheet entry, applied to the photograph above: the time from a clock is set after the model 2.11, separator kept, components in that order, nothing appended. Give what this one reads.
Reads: 9.50
